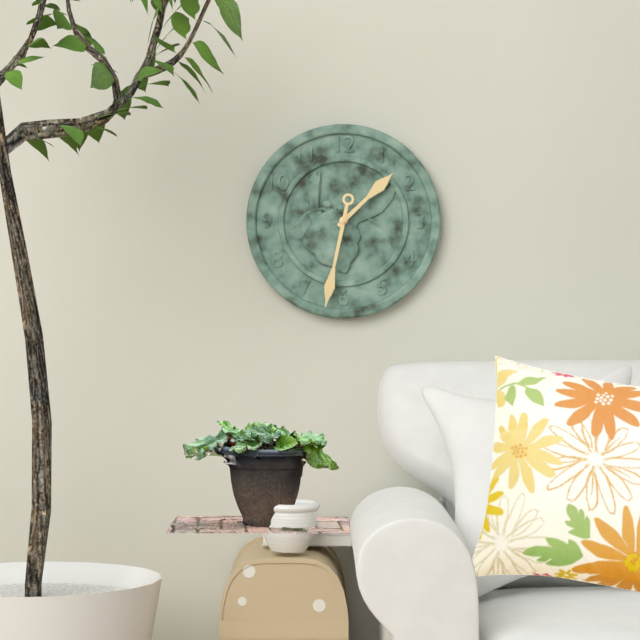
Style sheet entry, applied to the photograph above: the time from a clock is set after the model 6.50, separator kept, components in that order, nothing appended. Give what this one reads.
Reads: 1.32
